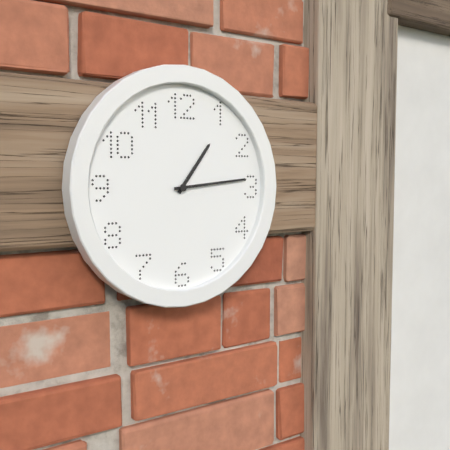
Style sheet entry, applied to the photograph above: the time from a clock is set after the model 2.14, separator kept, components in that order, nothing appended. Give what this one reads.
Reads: 1.14
